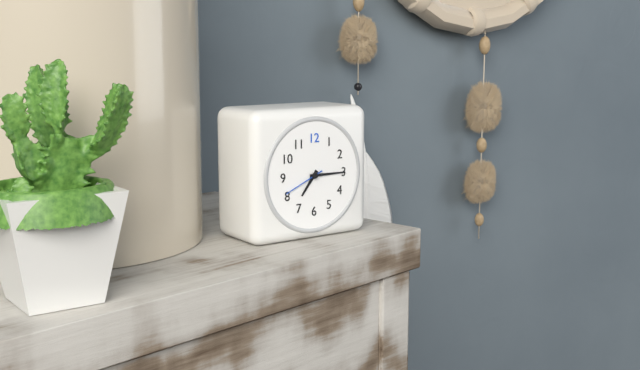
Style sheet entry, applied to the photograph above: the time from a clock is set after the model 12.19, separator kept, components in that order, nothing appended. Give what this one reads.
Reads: 7.15
